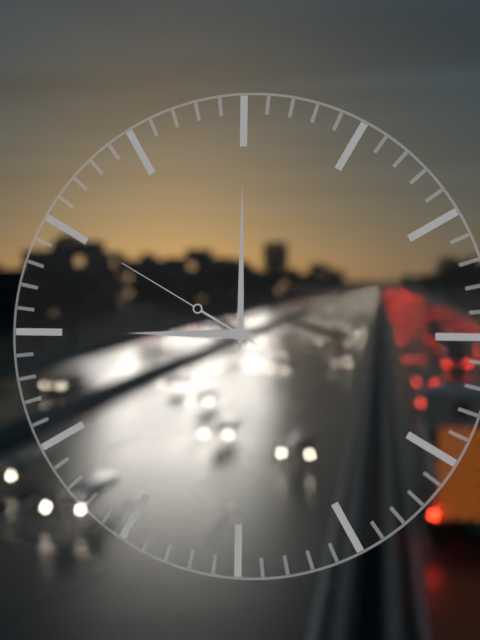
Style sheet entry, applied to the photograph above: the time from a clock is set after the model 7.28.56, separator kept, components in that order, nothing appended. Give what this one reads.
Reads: 9.00.50
